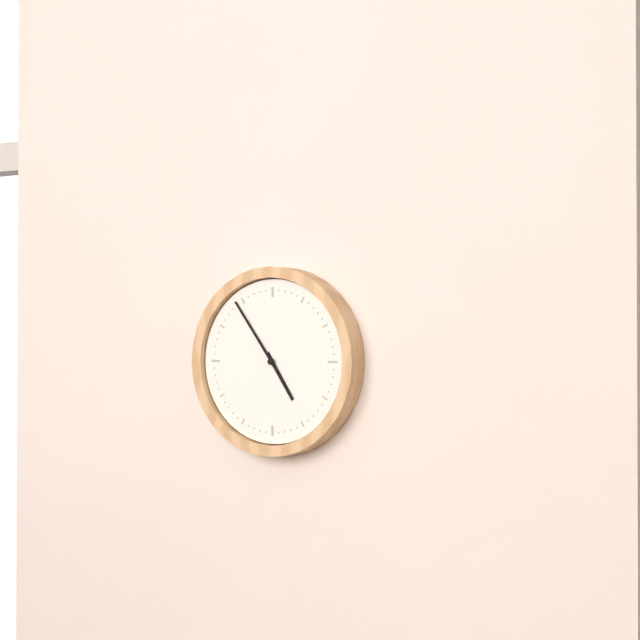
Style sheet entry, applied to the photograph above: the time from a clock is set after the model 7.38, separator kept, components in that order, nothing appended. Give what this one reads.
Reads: 4.54
